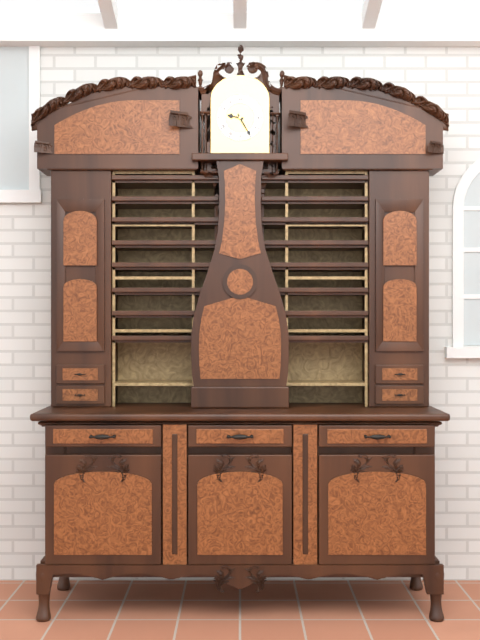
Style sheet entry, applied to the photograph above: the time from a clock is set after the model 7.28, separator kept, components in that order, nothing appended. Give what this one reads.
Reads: 9.25
